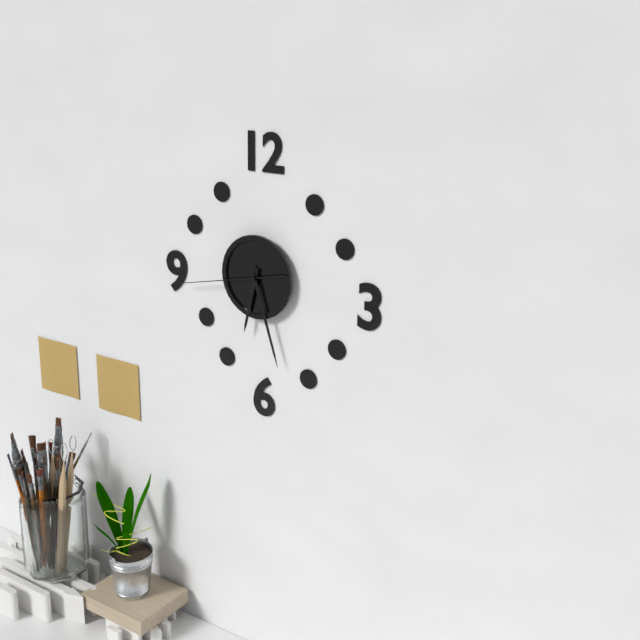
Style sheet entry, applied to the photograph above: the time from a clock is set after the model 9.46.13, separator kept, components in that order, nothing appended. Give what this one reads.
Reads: 6.27.43
